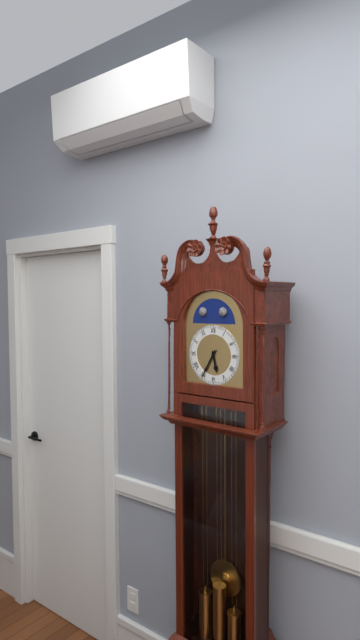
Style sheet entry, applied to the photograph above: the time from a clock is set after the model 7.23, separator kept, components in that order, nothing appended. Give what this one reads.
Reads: 5.35
